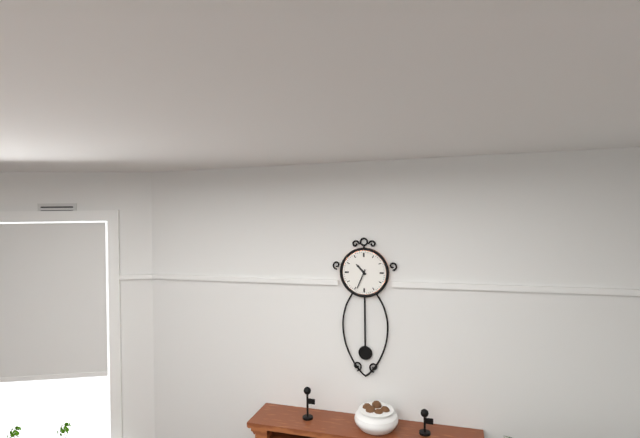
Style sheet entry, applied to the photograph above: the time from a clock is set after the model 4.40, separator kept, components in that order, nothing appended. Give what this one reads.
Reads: 10.34
